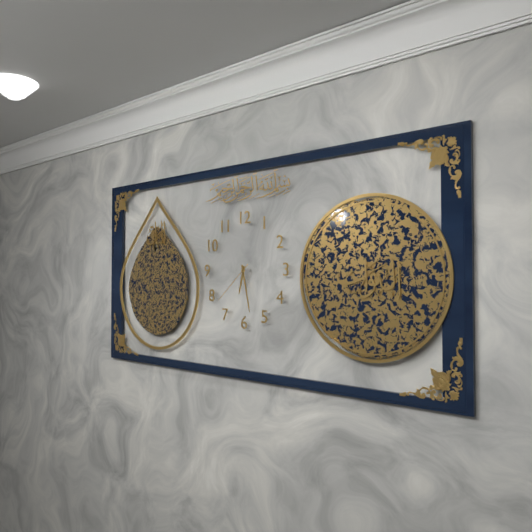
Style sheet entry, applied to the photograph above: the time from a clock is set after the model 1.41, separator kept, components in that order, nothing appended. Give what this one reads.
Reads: 6.28
